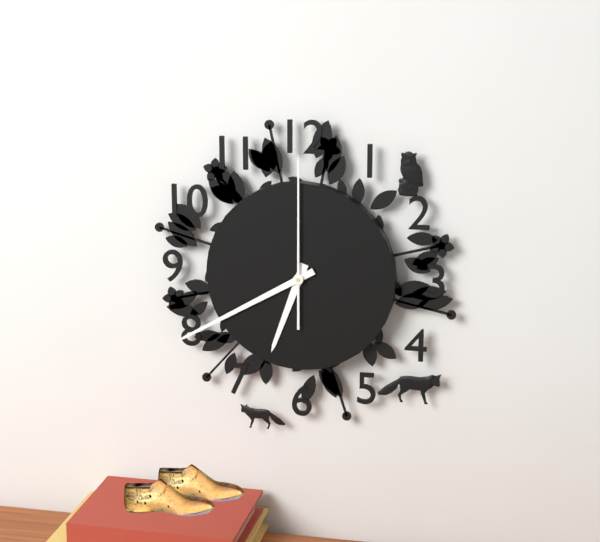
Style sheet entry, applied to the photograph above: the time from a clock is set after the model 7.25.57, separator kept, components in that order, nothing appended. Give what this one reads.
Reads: 6.40.00
